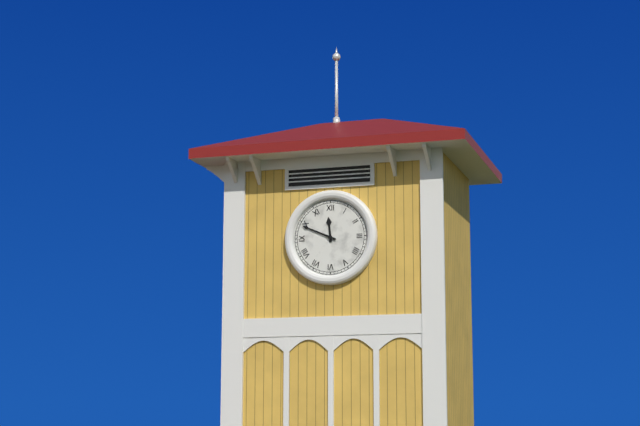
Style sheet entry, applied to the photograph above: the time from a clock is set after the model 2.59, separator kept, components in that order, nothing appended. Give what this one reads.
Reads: 11.49
